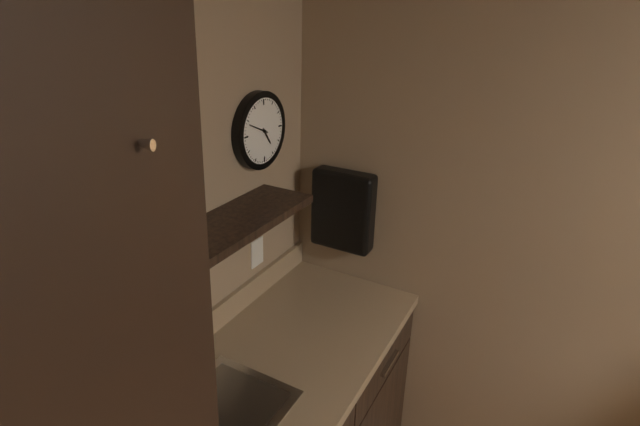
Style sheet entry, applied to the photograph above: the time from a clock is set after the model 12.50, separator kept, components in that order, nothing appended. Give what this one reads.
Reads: 4.49
